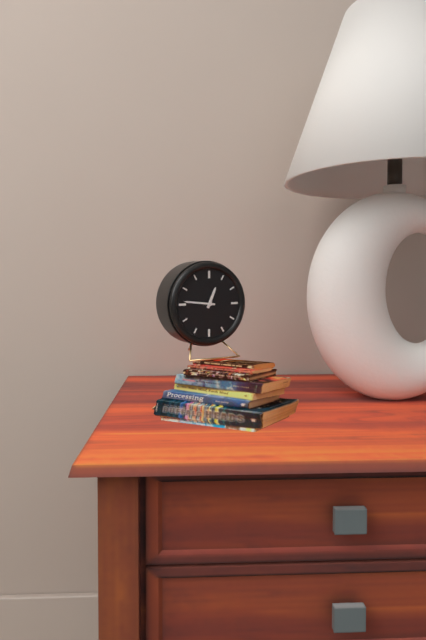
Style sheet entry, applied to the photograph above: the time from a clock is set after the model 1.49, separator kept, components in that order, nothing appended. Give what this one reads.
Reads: 12.46
